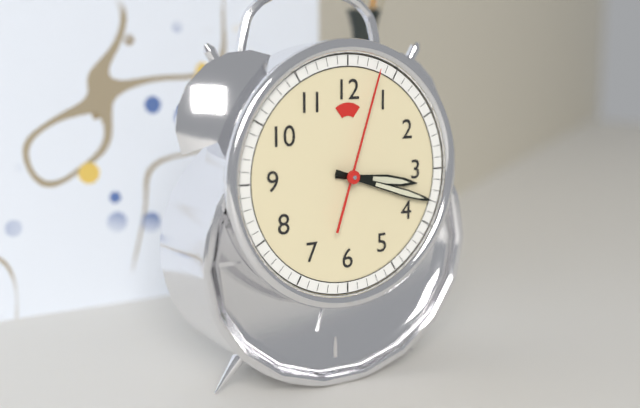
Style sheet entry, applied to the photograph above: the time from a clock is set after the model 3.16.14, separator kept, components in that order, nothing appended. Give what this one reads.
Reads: 3.18.03
